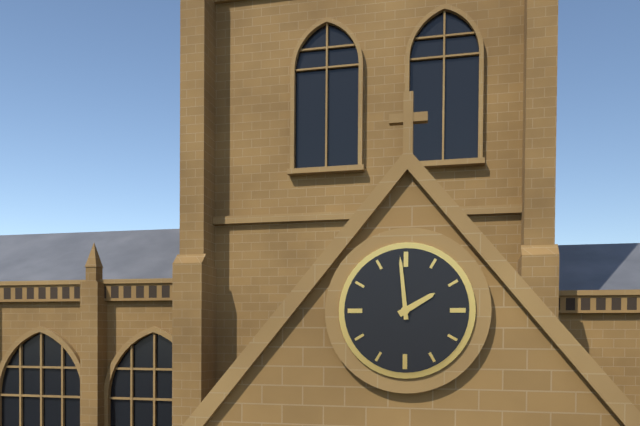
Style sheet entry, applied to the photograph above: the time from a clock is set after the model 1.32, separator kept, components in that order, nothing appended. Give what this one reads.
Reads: 1.59
